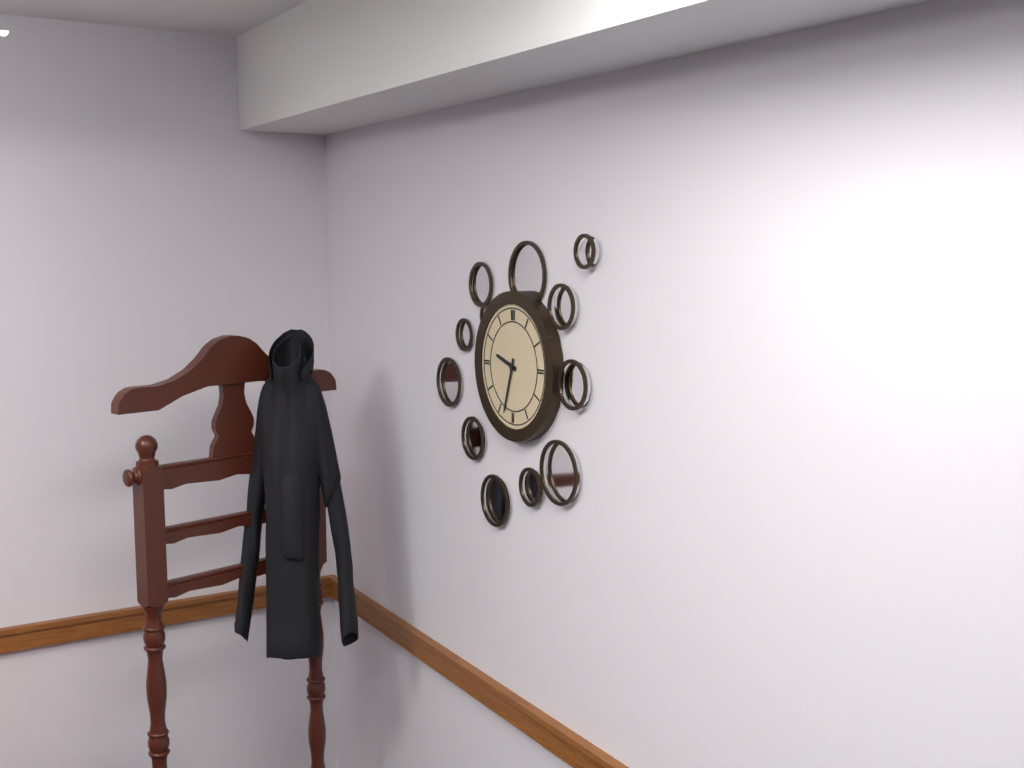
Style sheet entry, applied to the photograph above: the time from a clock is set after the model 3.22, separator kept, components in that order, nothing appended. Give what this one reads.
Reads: 9.33
